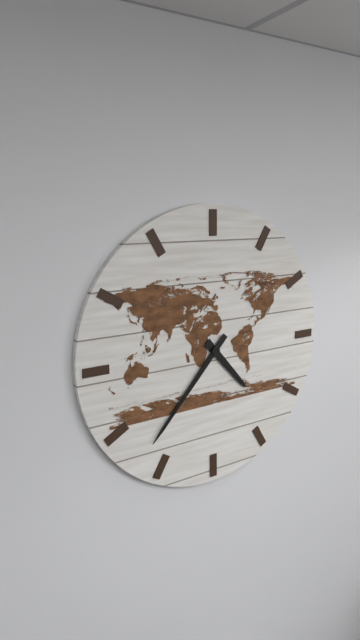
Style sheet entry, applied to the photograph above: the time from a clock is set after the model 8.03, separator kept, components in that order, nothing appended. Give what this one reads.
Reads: 4.37
